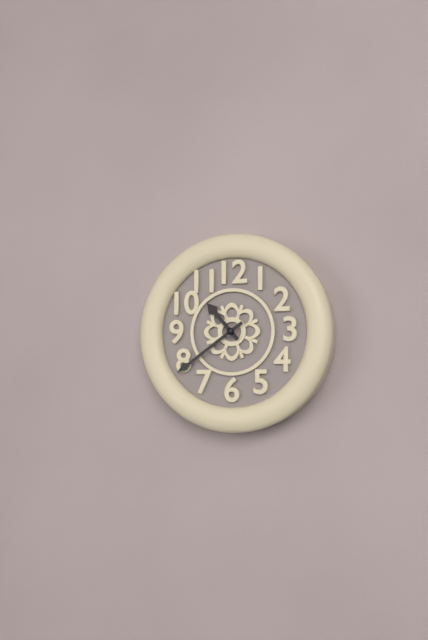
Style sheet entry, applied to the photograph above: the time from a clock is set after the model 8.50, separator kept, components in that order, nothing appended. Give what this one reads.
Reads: 10.39
